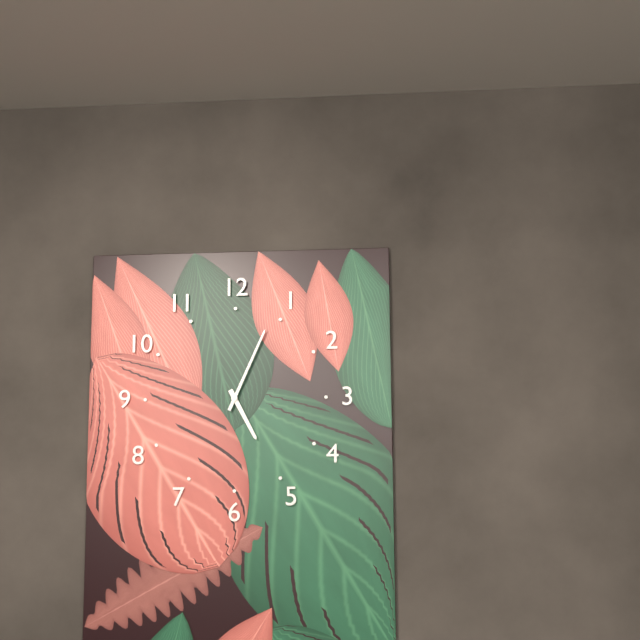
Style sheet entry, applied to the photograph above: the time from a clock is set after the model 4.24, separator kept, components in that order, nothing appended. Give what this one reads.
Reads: 5.04
